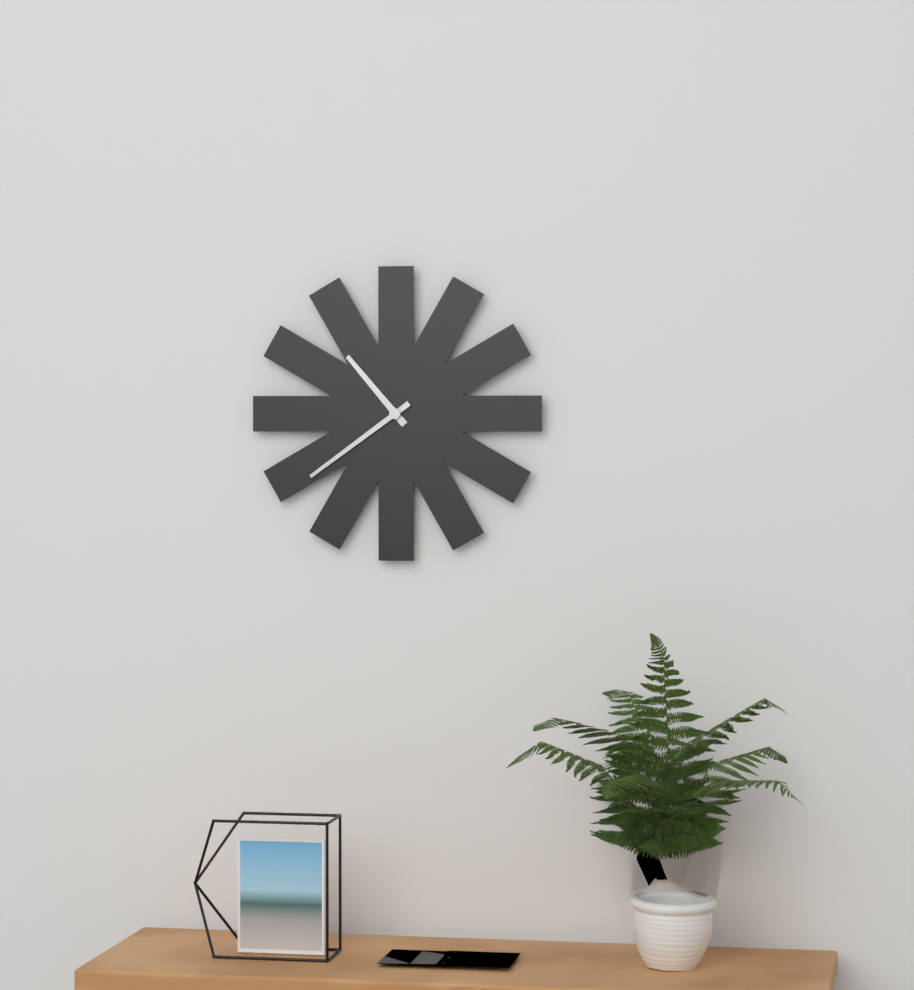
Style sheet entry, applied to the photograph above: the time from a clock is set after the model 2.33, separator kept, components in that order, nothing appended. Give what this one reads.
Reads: 10.39
